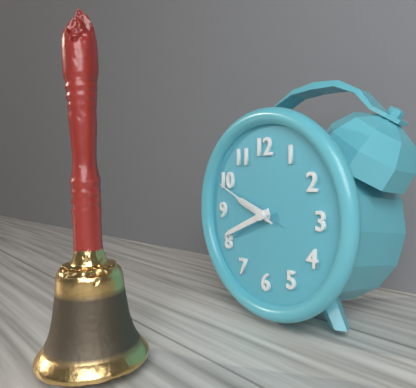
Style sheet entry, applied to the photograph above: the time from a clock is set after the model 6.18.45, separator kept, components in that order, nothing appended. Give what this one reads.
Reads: 9.41.49
